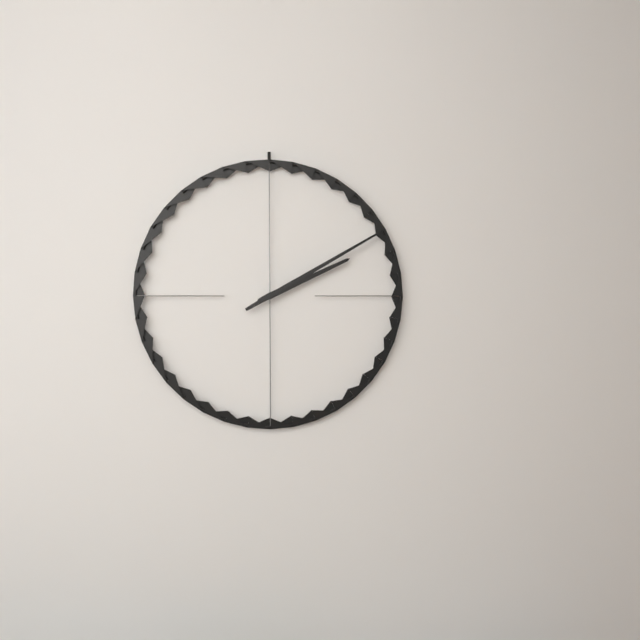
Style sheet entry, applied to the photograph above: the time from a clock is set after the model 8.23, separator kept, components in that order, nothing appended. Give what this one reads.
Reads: 2.10
